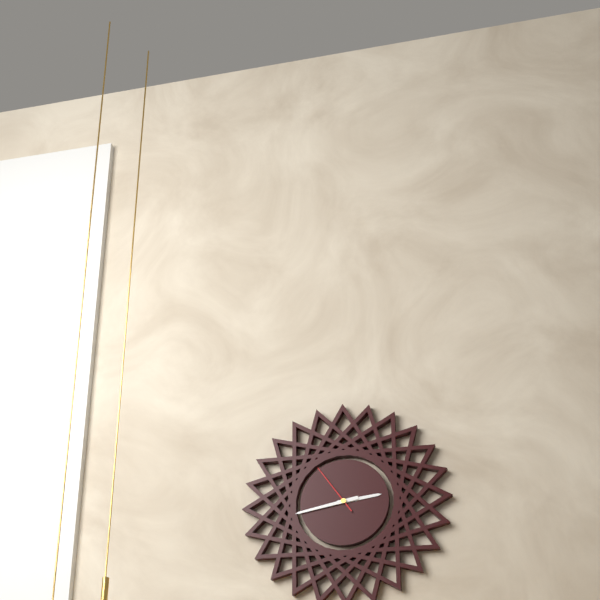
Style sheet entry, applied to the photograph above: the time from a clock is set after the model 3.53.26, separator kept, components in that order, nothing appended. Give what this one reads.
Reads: 2.43.54
